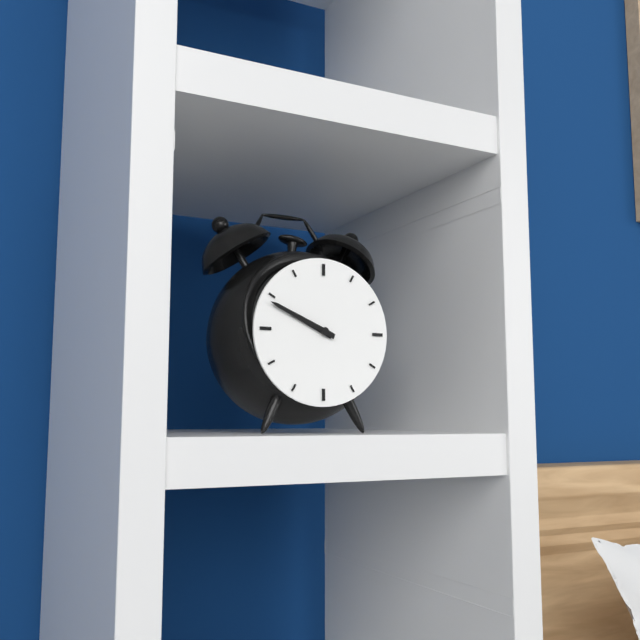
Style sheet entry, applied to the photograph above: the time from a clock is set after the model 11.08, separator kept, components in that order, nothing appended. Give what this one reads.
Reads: 9.49
